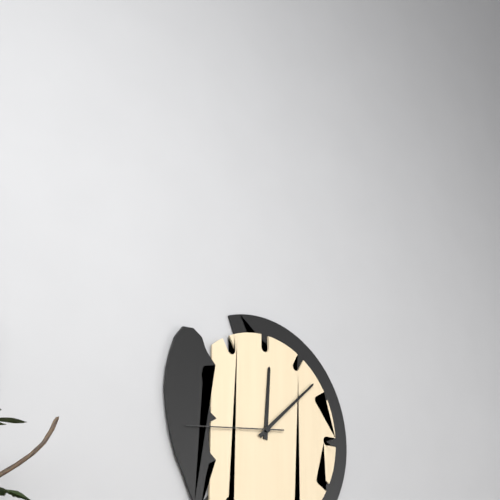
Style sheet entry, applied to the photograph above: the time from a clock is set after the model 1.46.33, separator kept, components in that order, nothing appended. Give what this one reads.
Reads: 12.08.44
